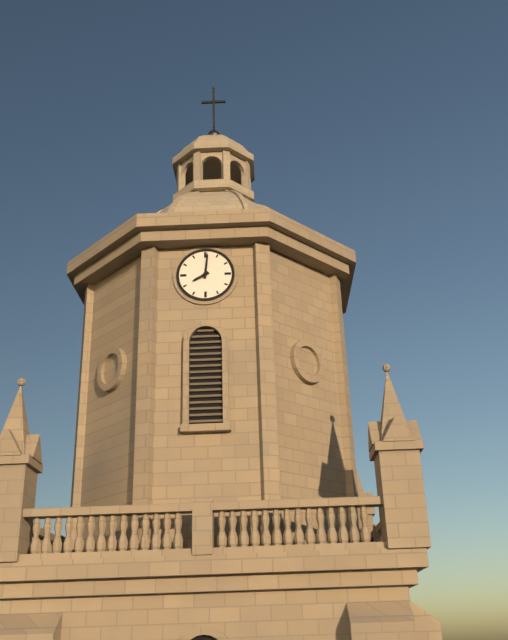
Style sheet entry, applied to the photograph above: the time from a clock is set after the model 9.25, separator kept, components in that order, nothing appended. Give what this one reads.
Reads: 8.01
